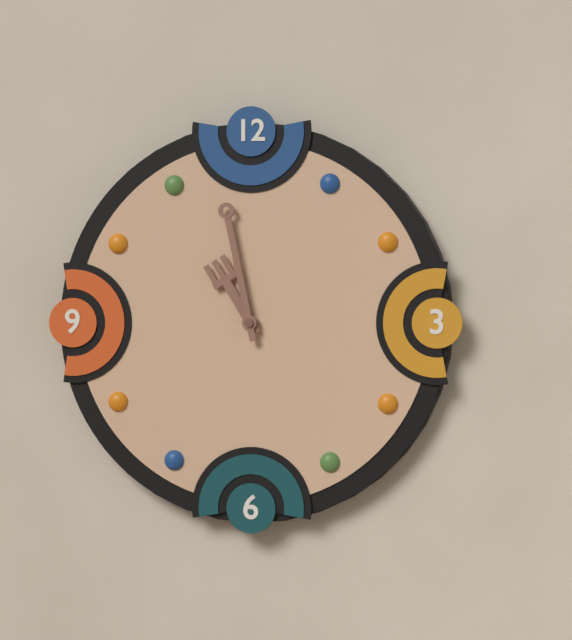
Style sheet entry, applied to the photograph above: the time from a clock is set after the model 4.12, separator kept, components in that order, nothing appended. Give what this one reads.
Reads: 10.58
